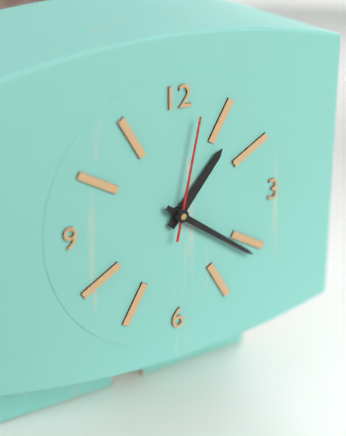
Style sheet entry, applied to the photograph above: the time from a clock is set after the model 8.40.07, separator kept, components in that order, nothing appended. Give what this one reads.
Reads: 1.21.02
